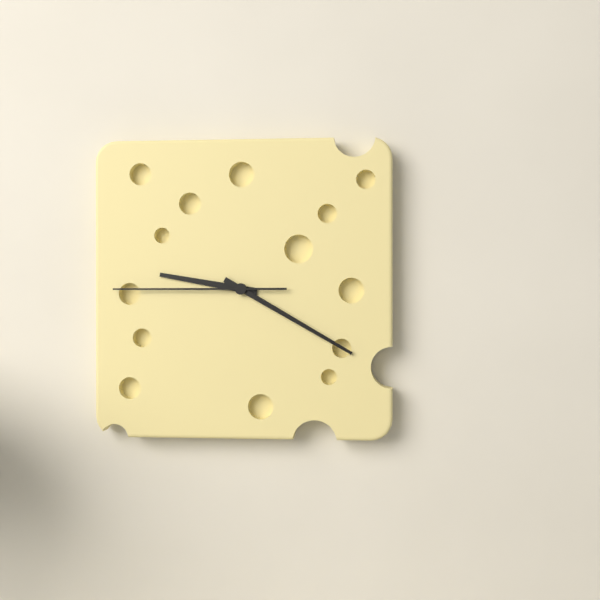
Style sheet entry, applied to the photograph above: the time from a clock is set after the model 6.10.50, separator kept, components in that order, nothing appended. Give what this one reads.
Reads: 9.20.45
